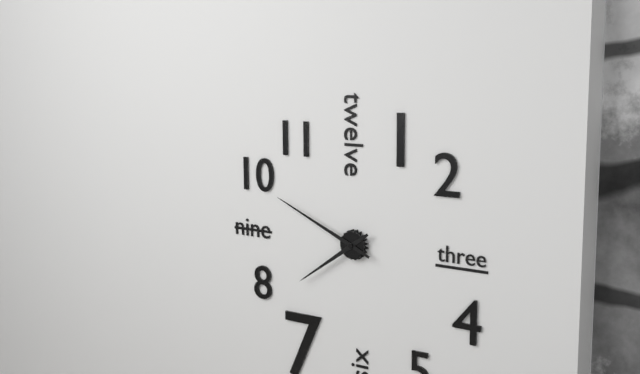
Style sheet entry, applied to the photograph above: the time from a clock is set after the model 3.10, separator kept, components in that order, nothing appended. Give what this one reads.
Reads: 7.49
